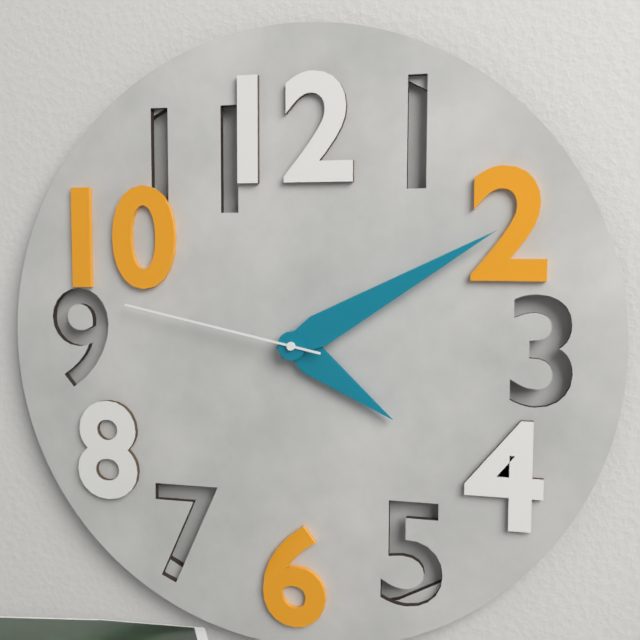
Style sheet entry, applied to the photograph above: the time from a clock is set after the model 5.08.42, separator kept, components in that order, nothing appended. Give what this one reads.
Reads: 4.10.47
